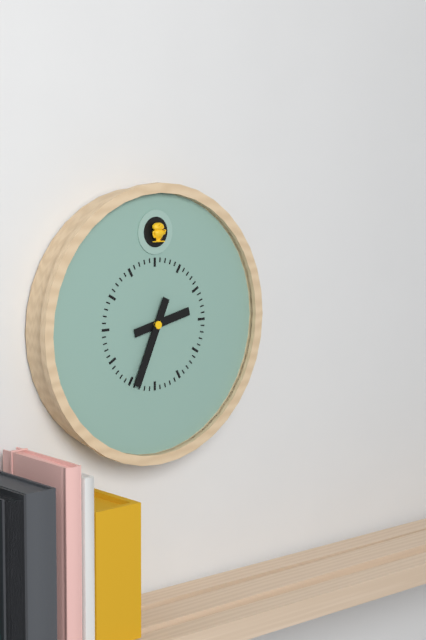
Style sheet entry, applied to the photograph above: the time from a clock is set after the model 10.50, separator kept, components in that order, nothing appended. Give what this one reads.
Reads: 2.34
